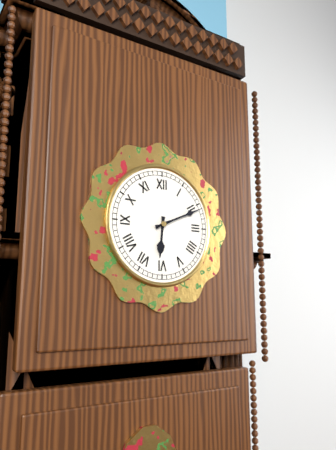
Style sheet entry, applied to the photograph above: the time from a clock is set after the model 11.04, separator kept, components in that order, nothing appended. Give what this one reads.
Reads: 6.11
